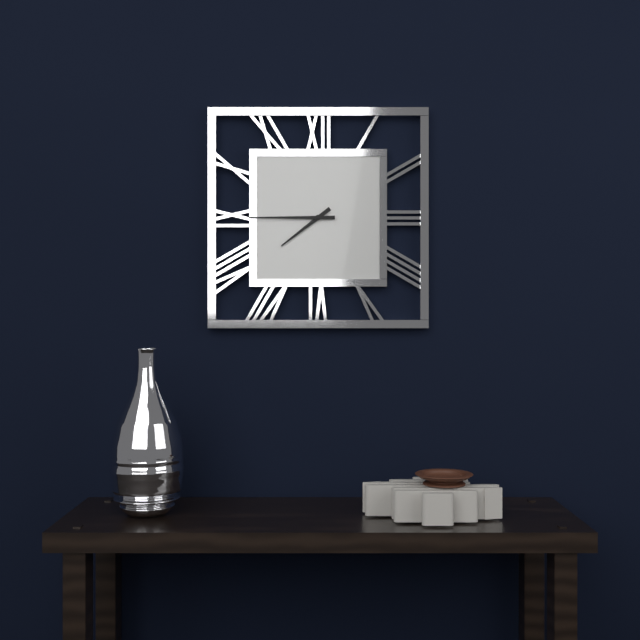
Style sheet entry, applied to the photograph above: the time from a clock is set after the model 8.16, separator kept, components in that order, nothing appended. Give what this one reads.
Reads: 7.45
